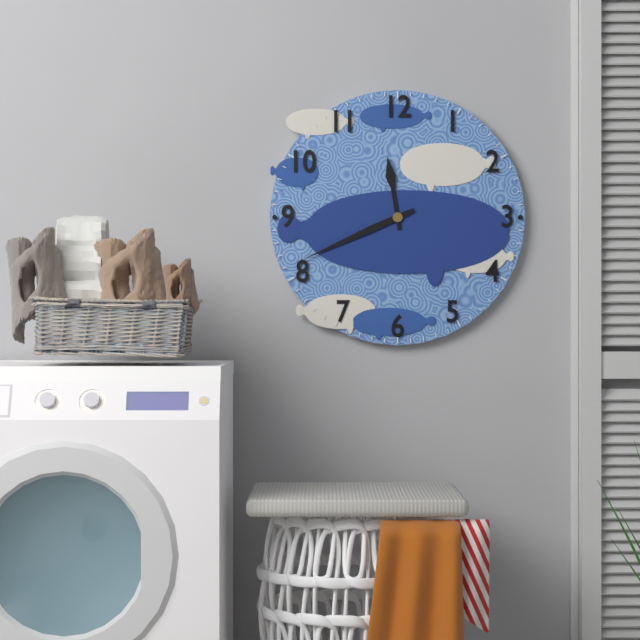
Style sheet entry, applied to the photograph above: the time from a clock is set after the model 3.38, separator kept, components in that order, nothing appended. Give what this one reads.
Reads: 11.41
